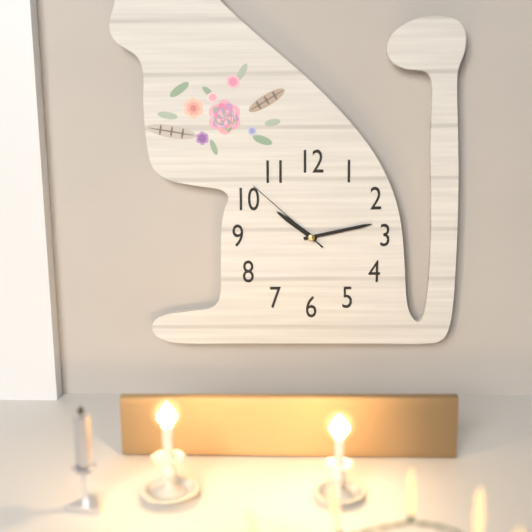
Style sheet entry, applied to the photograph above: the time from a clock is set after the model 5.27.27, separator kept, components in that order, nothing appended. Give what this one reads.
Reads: 10.13.52
